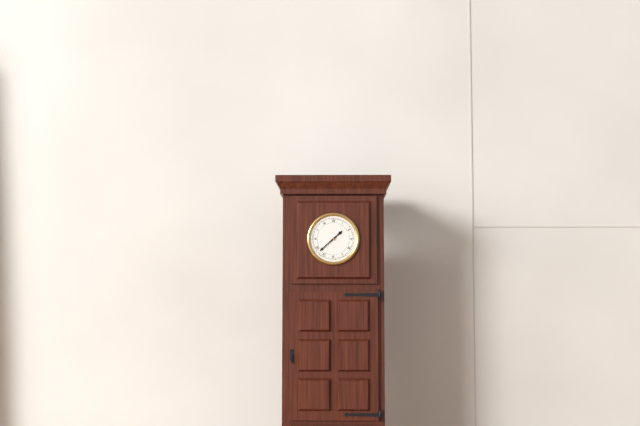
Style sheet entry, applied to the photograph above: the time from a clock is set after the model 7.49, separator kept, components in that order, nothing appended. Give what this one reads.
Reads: 1.38
